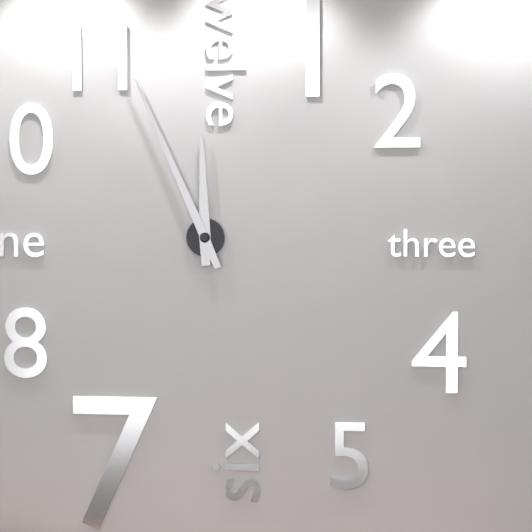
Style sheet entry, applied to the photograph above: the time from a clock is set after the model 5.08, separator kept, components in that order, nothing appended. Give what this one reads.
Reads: 11.56
